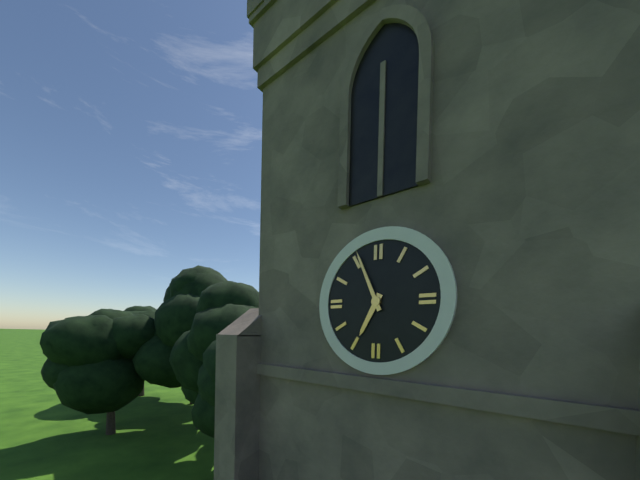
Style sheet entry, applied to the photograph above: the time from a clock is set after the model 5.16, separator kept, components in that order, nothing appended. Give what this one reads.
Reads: 6.56
